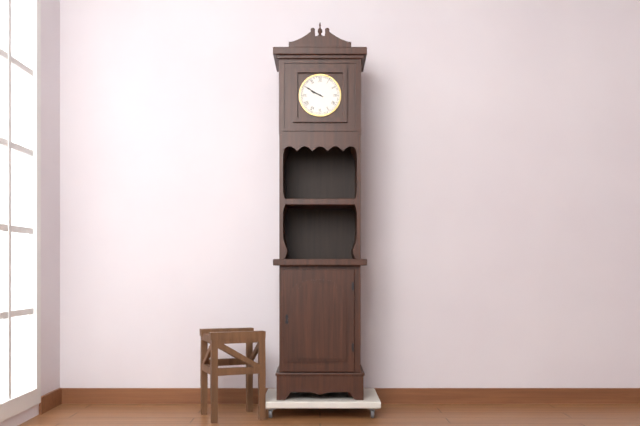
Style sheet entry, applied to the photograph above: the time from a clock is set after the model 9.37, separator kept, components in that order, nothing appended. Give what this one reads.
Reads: 9.50
